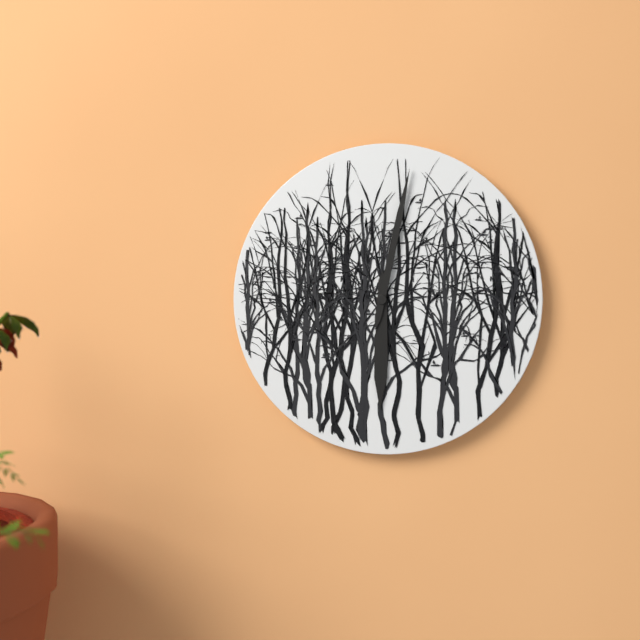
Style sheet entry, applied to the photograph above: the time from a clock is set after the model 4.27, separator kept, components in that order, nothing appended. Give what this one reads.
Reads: 6.02
